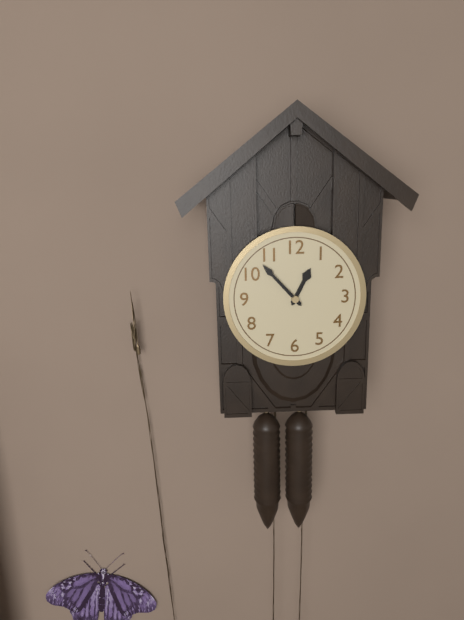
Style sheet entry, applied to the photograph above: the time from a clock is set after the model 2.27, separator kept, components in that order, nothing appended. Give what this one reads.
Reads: 12.53
